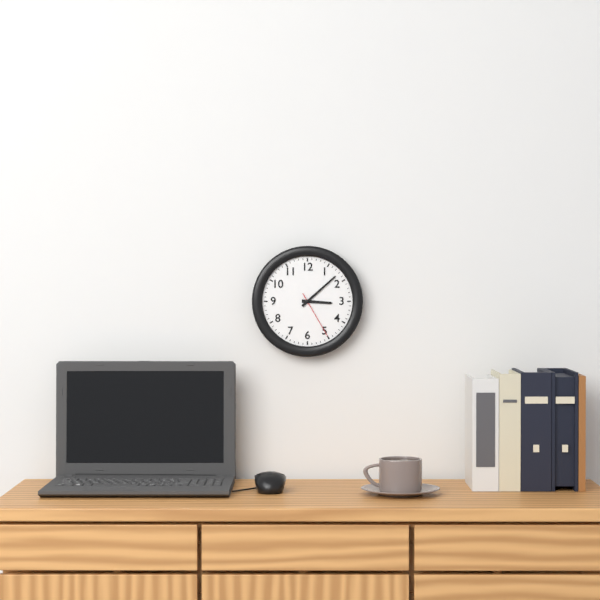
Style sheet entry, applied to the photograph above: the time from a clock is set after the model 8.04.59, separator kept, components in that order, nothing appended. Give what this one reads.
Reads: 3.08.25
